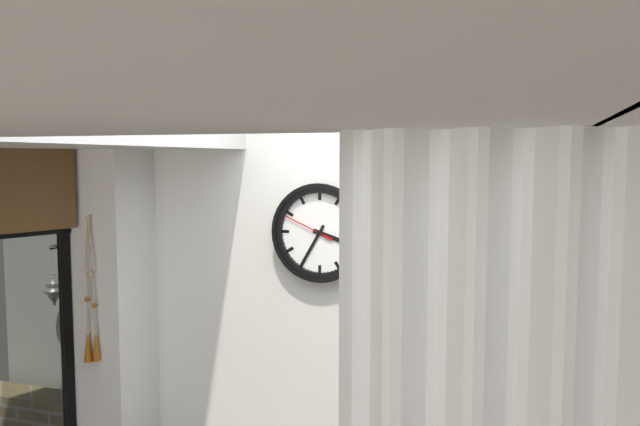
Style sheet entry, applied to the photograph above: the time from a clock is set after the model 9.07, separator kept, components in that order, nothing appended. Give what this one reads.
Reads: 3.35
